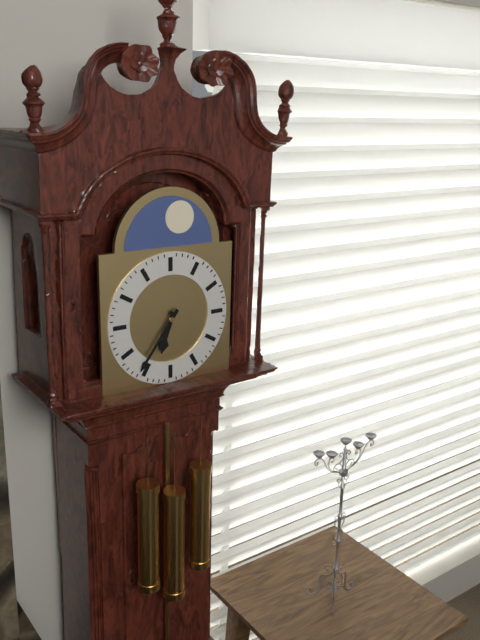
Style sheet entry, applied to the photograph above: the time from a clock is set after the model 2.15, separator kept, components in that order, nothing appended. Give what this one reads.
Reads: 6.36
